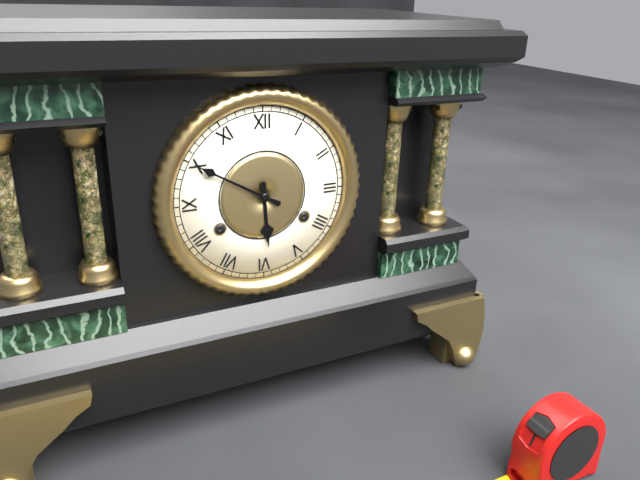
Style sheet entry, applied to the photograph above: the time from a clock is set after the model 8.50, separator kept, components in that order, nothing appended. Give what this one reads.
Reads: 5.50
